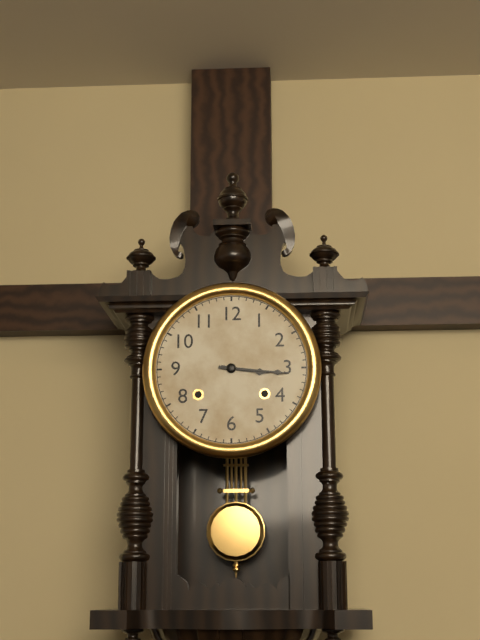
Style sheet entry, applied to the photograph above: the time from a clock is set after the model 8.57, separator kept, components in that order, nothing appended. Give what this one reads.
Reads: 3.16
